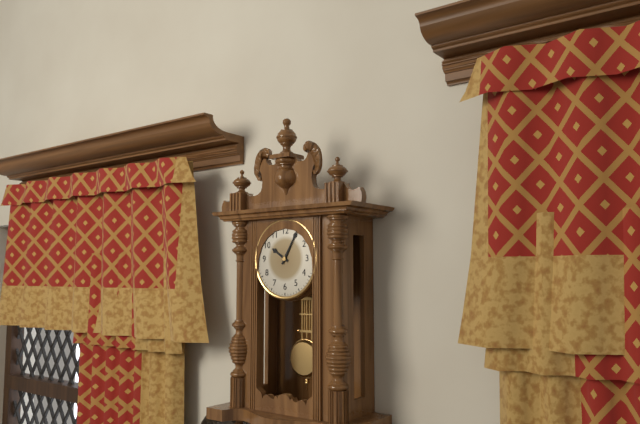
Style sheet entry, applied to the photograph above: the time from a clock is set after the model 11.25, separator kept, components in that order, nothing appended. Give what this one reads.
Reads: 10.05
